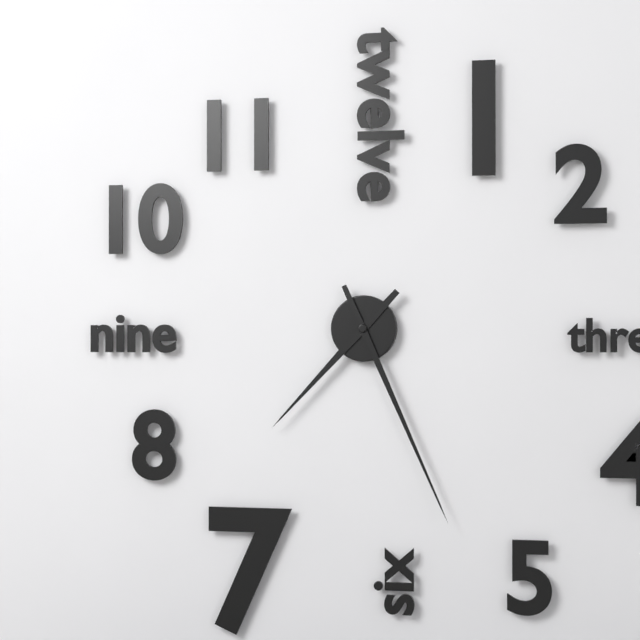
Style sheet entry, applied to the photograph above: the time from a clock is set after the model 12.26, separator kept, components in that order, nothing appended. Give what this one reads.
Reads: 7.26
